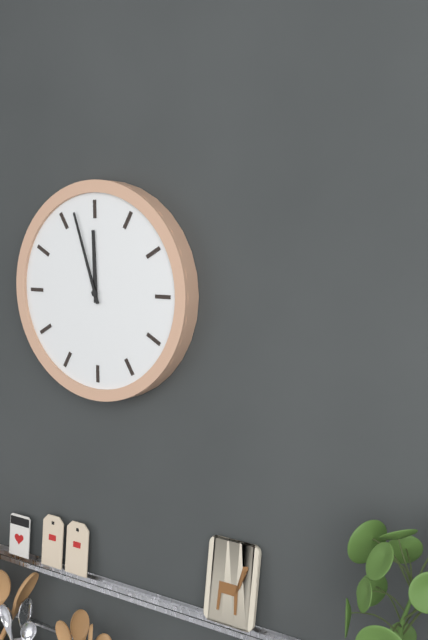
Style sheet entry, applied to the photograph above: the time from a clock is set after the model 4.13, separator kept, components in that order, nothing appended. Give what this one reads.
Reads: 11.57
